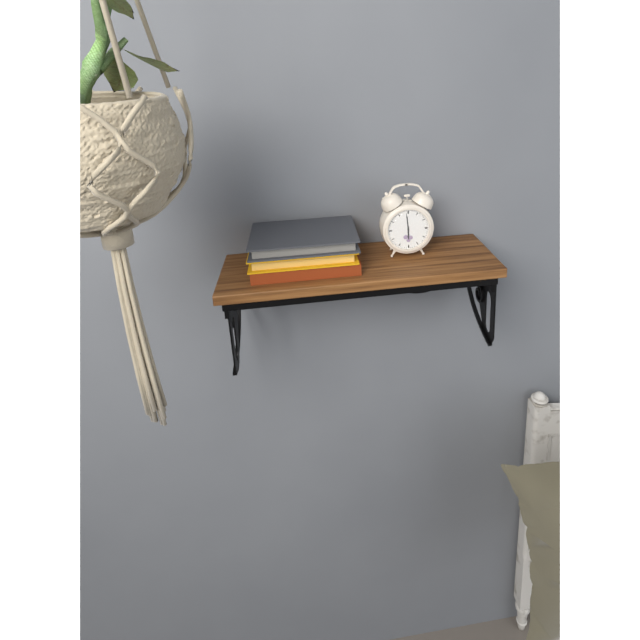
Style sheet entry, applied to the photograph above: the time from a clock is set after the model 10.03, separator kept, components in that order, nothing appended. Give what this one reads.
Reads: 5.59
